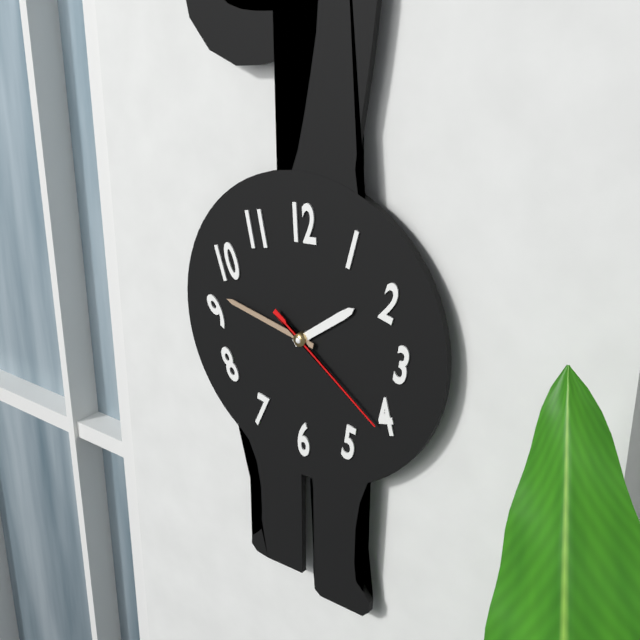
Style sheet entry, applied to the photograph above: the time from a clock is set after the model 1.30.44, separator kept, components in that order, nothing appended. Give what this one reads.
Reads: 1.47.21
